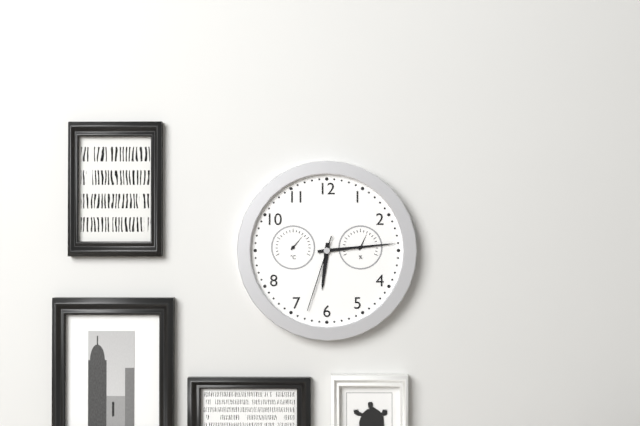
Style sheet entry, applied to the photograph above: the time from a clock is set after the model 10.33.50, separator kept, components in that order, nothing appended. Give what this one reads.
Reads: 6.14.33
